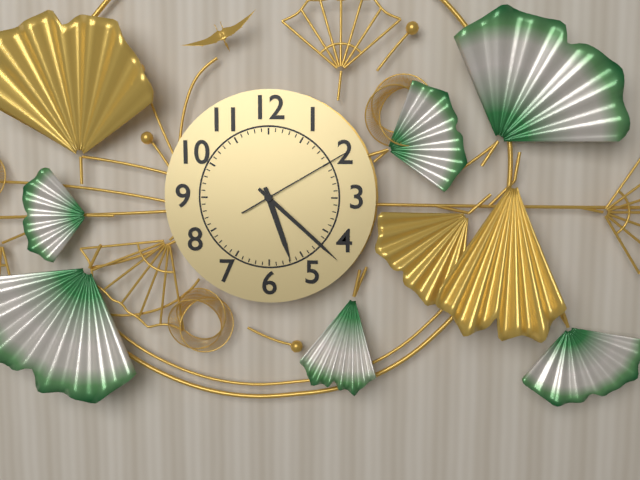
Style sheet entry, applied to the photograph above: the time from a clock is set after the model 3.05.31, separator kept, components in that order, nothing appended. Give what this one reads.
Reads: 5.22.10
